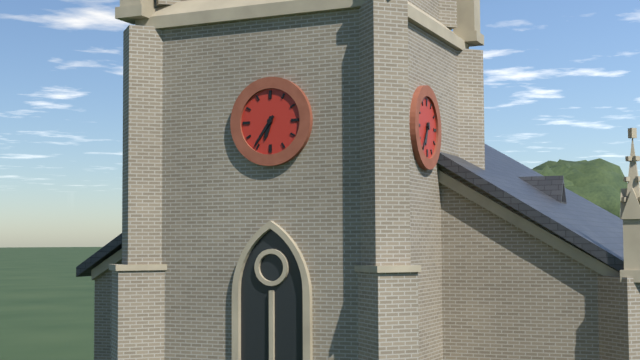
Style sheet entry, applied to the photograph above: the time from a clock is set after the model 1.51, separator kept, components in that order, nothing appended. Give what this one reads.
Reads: 6.36
